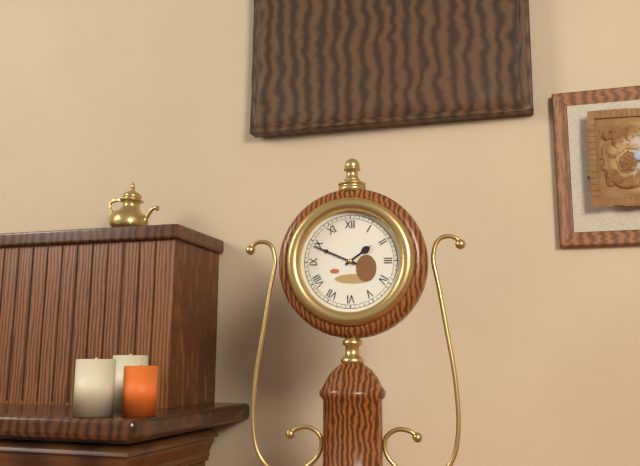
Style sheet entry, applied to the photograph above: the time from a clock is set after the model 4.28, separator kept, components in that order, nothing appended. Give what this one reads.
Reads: 1.49
